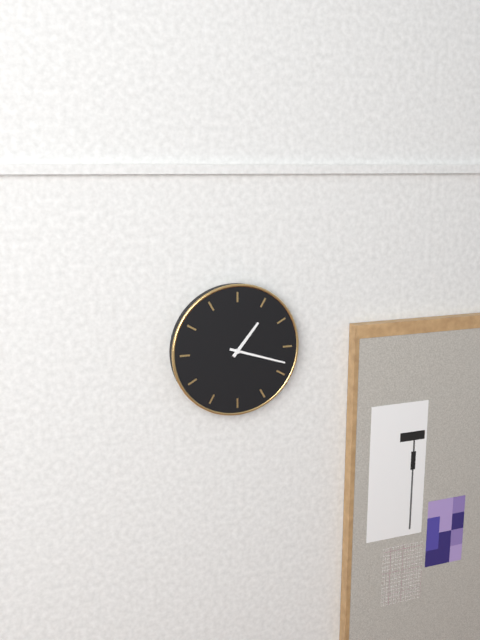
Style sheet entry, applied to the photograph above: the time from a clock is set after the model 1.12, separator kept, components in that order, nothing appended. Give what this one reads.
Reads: 1.18
